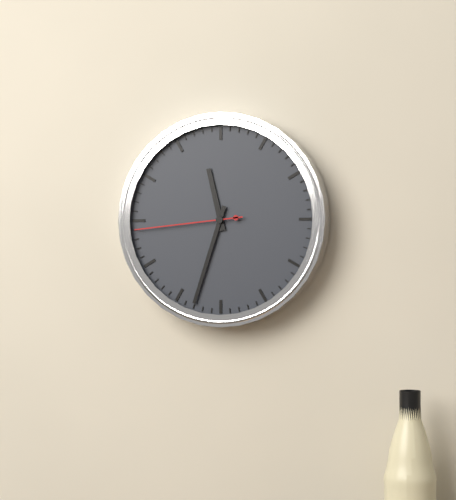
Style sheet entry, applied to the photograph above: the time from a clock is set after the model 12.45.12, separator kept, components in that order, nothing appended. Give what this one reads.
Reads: 11.33.44
